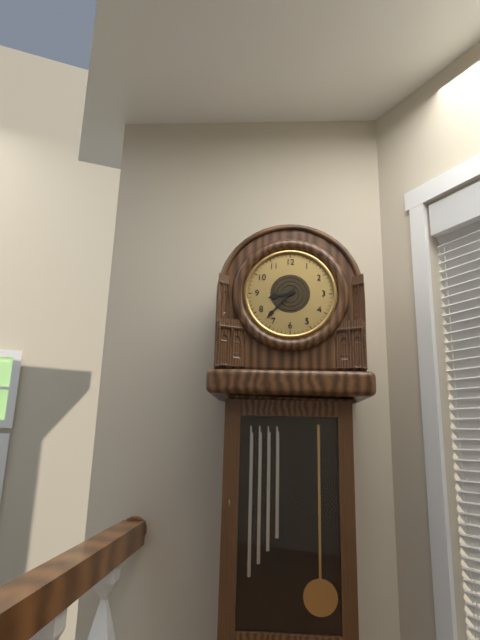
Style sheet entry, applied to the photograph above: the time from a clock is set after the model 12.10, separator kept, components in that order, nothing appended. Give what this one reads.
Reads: 8.37
